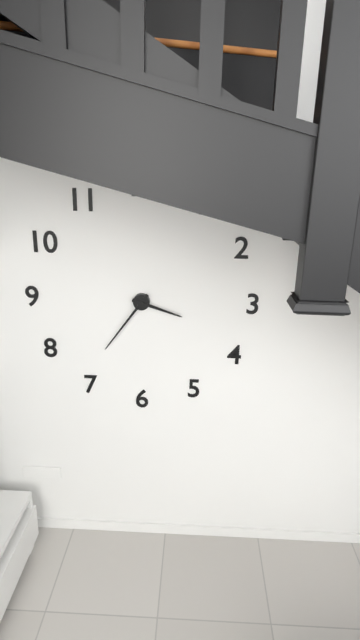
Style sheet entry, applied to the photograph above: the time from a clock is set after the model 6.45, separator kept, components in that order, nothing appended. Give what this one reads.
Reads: 3.36
